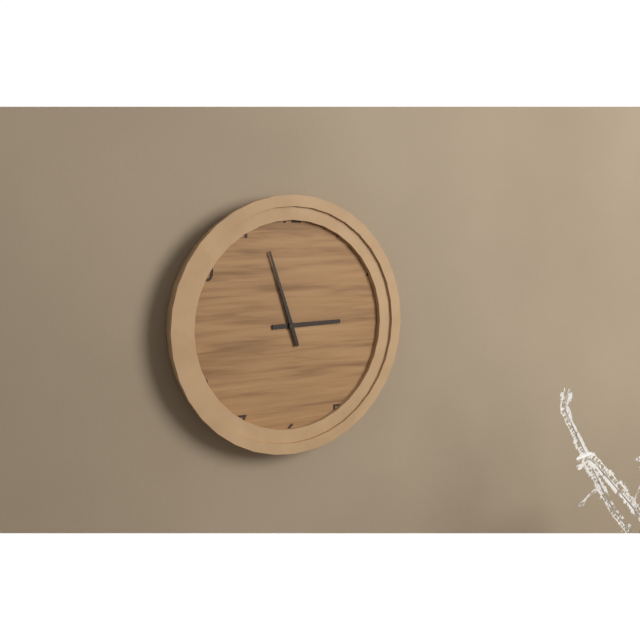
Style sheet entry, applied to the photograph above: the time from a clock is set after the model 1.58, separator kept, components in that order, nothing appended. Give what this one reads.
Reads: 2.57
